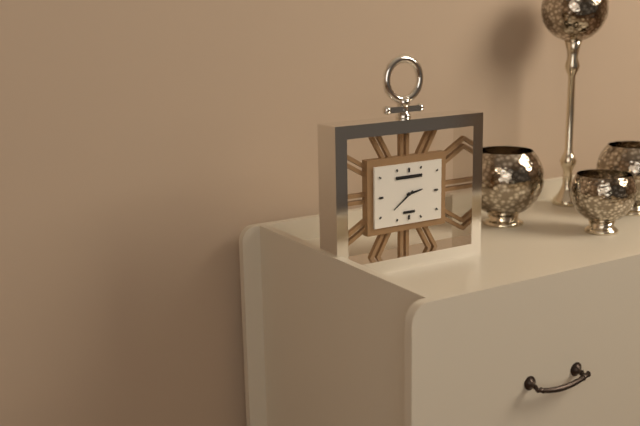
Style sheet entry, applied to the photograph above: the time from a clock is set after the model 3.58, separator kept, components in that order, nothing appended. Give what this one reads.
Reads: 2.39
